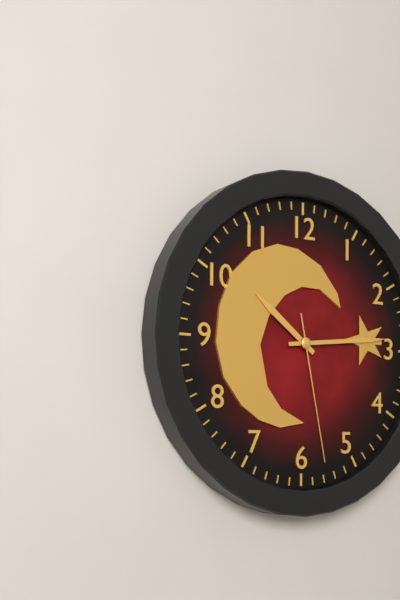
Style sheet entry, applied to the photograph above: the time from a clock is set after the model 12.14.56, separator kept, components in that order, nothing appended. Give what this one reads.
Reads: 10.14.28
